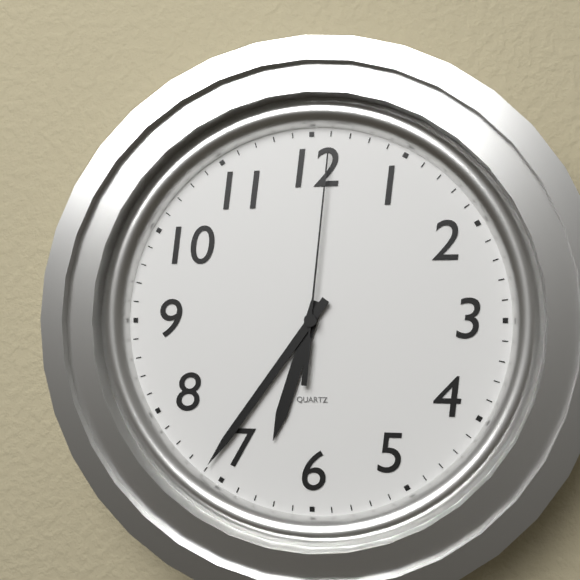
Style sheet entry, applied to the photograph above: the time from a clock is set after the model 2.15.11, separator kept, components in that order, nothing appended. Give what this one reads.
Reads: 6.36.01
